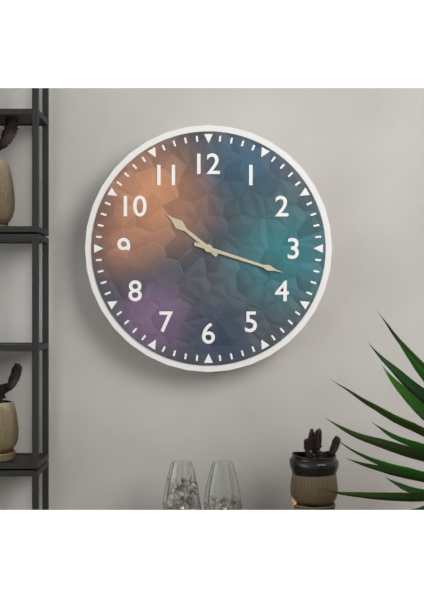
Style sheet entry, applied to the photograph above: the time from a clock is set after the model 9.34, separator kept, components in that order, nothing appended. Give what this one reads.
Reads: 10.18
